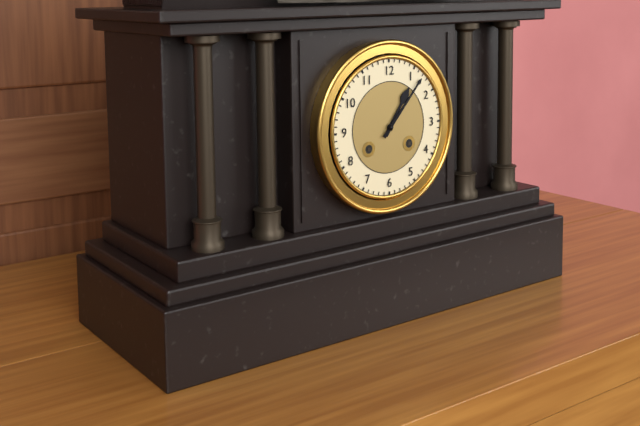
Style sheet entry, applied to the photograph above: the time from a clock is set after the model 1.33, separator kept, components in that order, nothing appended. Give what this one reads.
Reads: 1.07
